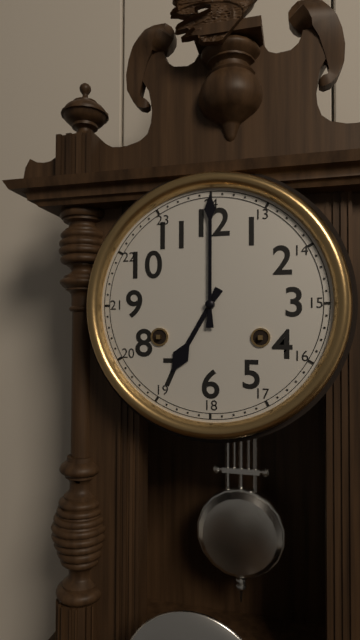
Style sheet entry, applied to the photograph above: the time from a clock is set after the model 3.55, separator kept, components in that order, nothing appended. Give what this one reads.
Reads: 7.00
